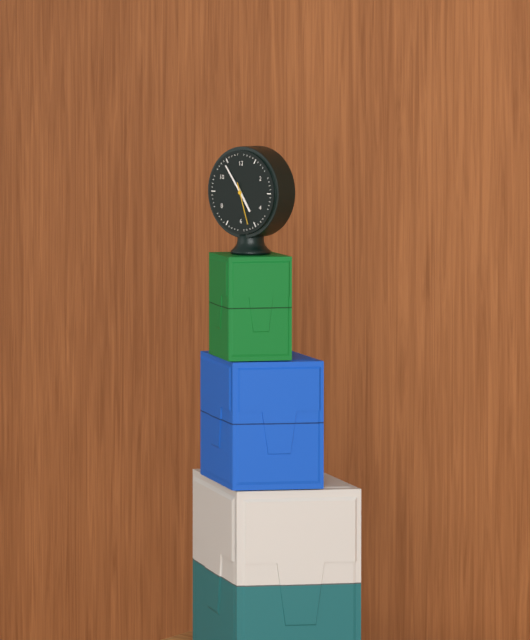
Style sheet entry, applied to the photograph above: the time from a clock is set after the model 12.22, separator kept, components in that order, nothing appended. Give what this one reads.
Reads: 4.54
